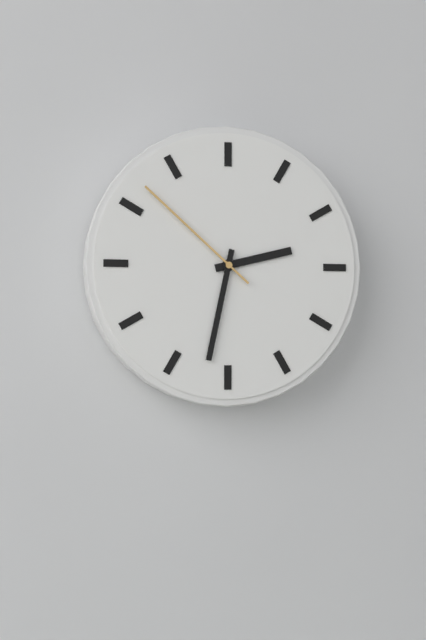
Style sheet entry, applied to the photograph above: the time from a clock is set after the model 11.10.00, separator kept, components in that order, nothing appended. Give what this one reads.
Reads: 2.32.52
